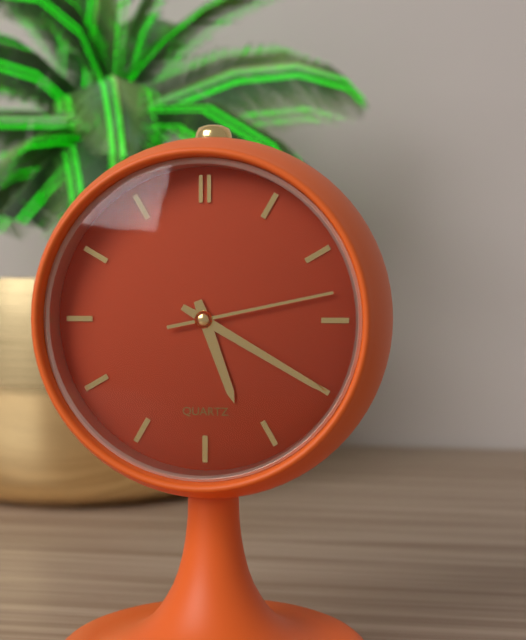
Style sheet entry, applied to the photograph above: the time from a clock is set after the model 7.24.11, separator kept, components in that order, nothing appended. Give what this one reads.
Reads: 5.20.13
